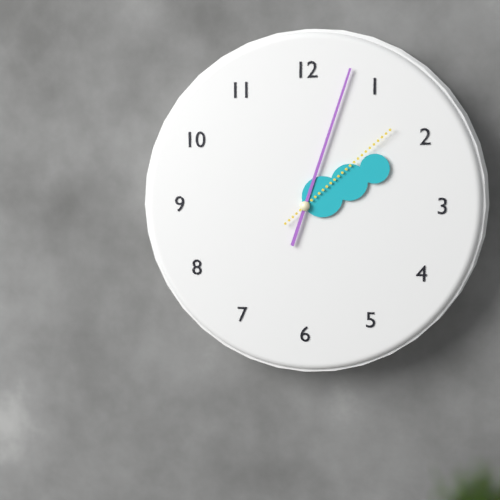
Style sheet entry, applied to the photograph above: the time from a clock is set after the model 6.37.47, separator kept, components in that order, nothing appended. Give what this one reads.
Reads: 2.03.08
